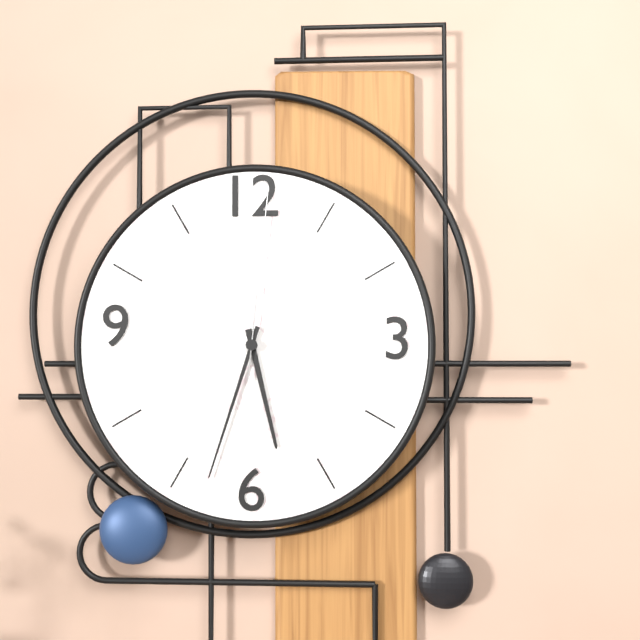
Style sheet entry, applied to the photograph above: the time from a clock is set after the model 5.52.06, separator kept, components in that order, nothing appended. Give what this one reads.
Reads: 5.33.01
